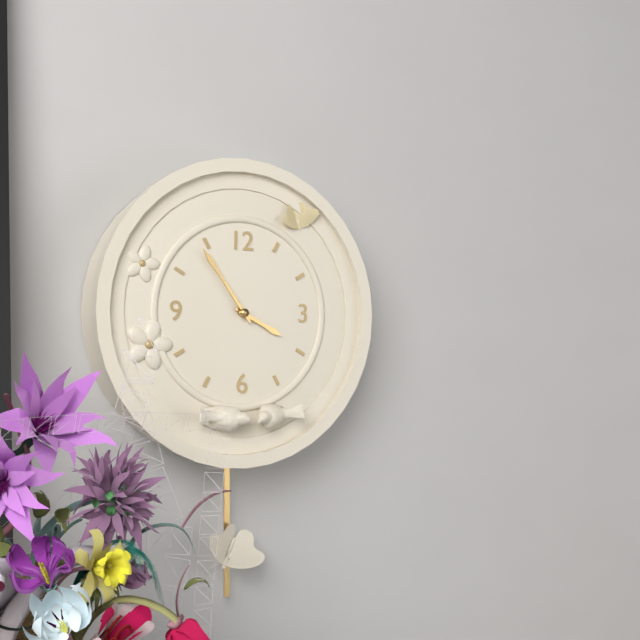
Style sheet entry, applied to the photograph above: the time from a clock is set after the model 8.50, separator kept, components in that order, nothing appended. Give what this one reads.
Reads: 3.54
